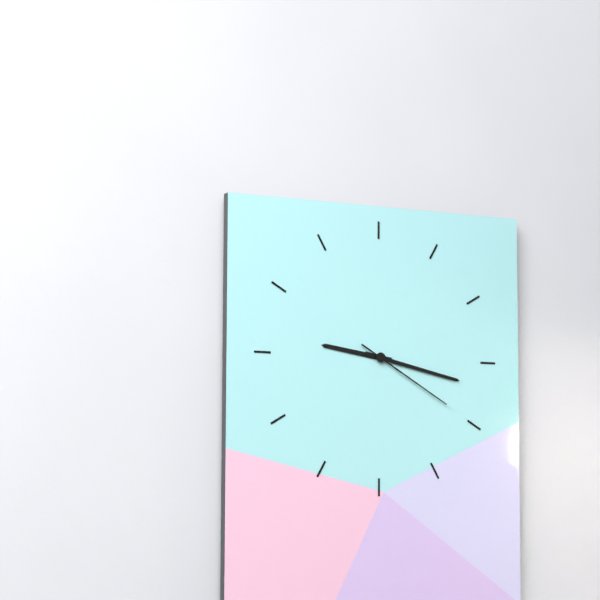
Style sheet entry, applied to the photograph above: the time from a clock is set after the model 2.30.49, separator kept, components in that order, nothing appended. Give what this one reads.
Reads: 9.17.20
